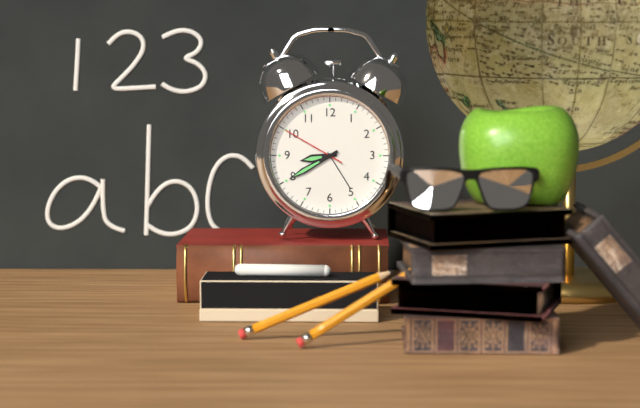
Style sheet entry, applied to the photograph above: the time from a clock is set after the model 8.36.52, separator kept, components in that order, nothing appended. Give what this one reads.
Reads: 8.40.50
